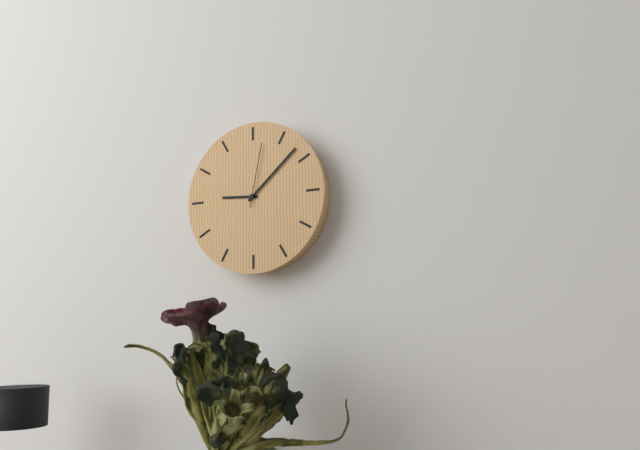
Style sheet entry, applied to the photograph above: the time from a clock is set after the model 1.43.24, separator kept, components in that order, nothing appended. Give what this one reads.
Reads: 9.08.02
